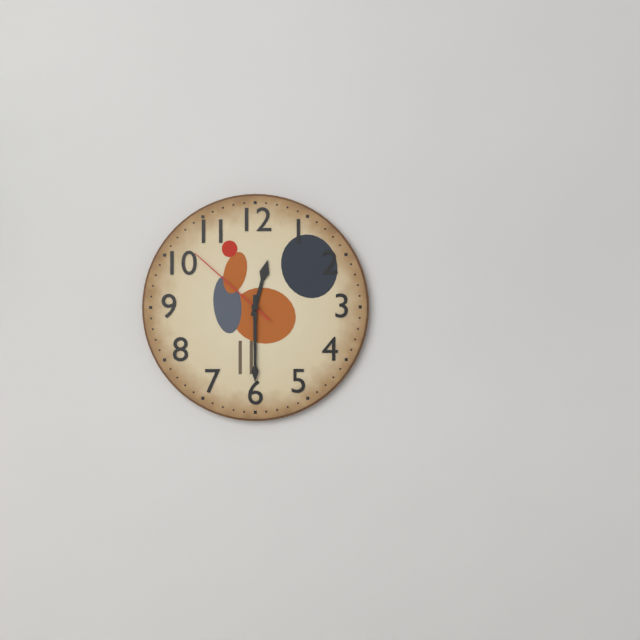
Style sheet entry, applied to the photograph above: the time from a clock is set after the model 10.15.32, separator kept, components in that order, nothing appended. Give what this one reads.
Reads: 12.30.52
